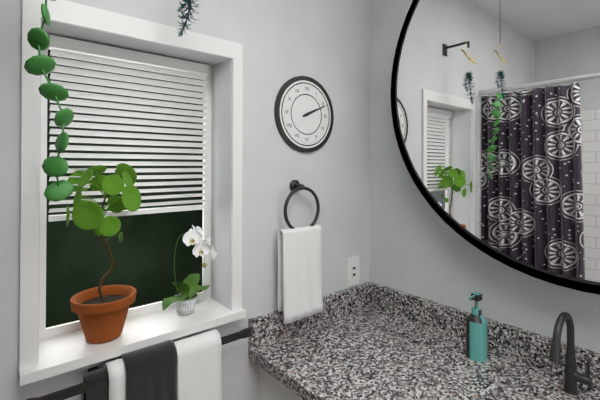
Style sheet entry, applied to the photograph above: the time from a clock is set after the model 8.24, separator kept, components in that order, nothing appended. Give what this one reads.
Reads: 2.11
